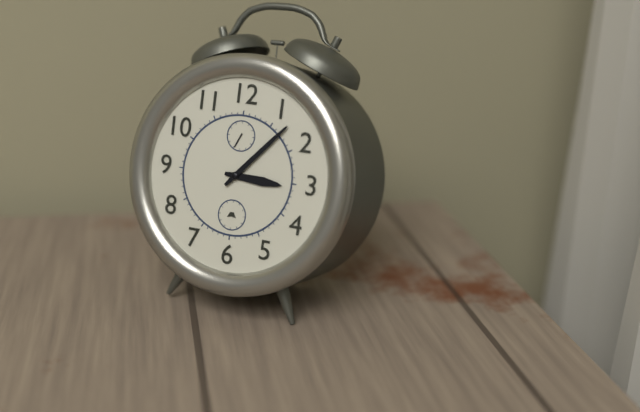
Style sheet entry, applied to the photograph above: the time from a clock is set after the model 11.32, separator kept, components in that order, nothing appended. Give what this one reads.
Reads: 3.07
